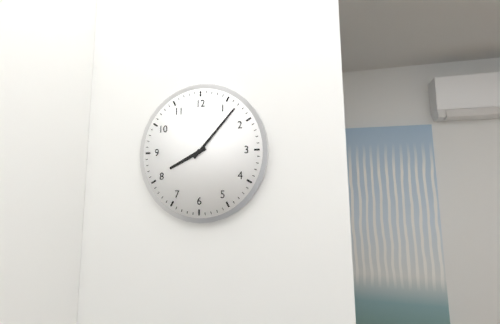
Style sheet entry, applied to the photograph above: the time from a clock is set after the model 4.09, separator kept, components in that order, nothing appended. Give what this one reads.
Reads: 8.07
